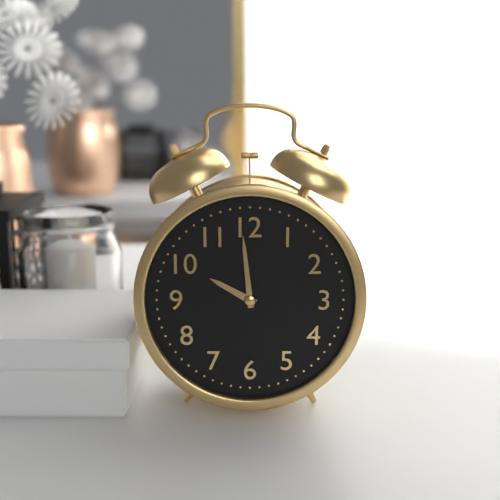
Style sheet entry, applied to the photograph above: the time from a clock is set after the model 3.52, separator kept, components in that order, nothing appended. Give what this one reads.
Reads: 9.59
